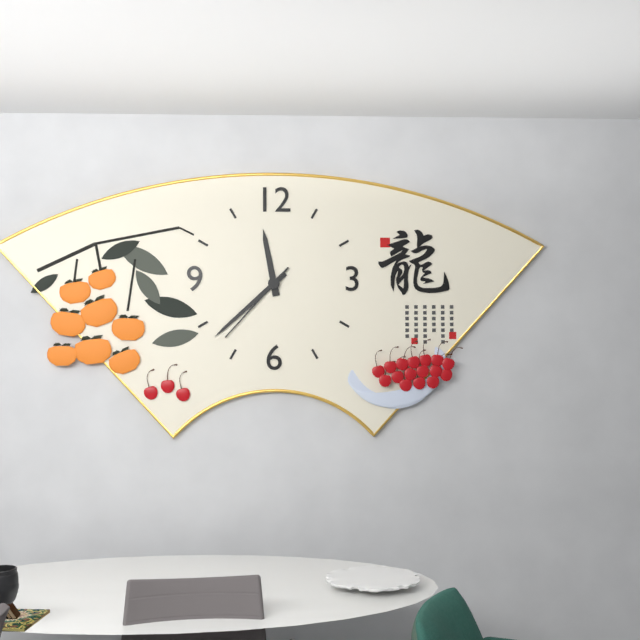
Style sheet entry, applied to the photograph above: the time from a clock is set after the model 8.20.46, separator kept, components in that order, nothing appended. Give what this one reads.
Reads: 11.38.37
